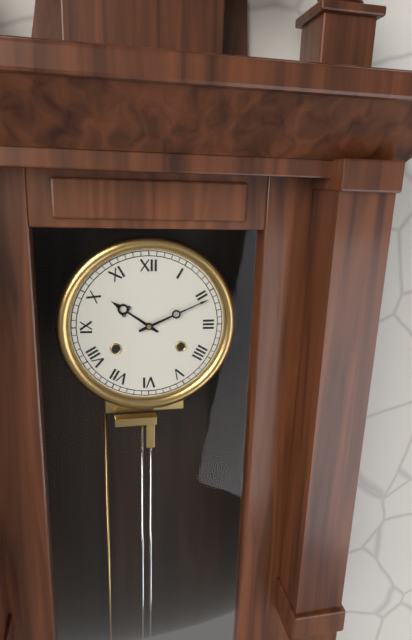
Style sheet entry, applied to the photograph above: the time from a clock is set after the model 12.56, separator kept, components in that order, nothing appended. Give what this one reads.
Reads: 10.11
